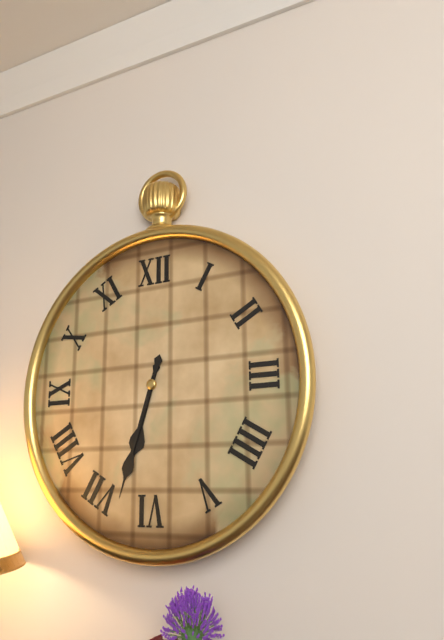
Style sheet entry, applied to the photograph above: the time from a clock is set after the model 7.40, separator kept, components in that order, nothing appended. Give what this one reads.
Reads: 6.33
